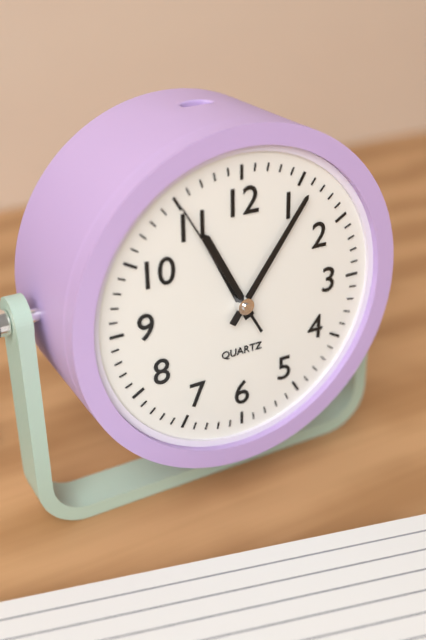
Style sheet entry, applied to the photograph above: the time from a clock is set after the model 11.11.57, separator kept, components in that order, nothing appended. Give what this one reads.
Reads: 11.06.55
